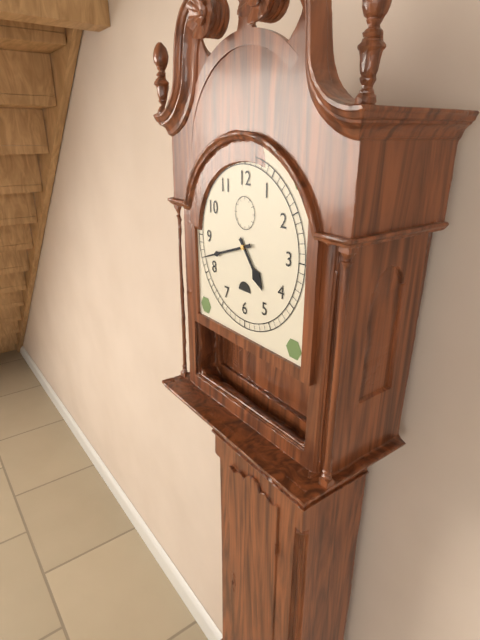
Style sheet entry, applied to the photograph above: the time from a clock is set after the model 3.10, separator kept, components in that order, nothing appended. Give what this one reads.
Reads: 4.42
